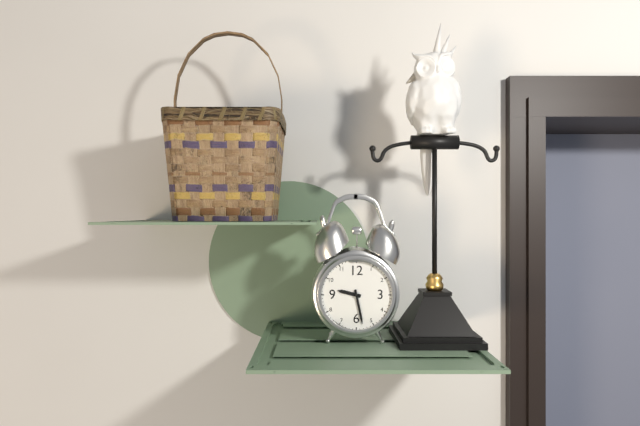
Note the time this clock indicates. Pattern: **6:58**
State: **9:28**
